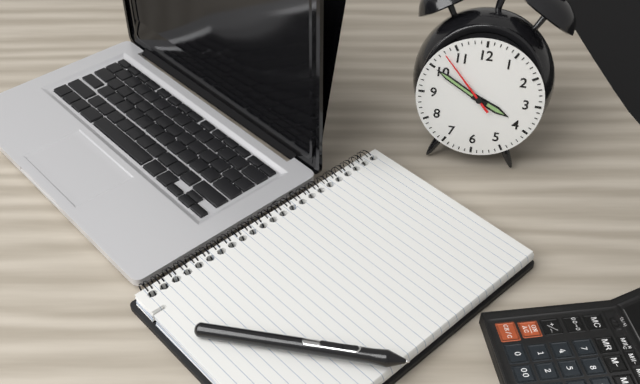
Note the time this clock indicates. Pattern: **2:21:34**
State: **3:50:53**
